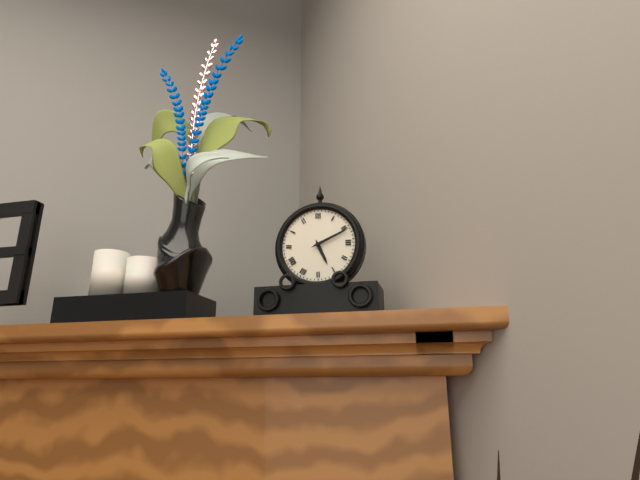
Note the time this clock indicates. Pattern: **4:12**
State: **5:11**
